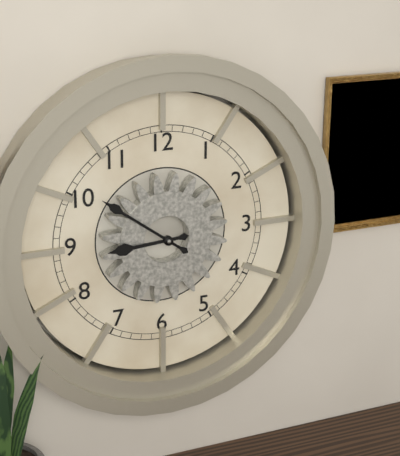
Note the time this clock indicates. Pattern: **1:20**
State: **8:51**
